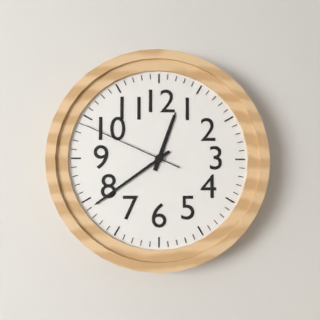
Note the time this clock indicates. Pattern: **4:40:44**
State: **12:39:49**
